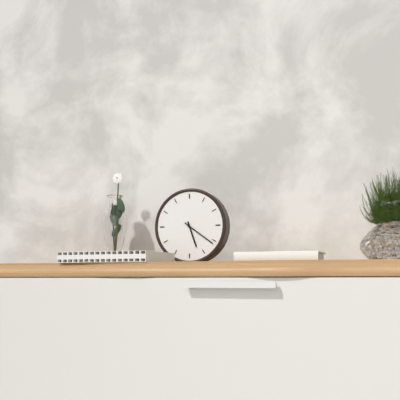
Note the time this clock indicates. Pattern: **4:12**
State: **5:21**
